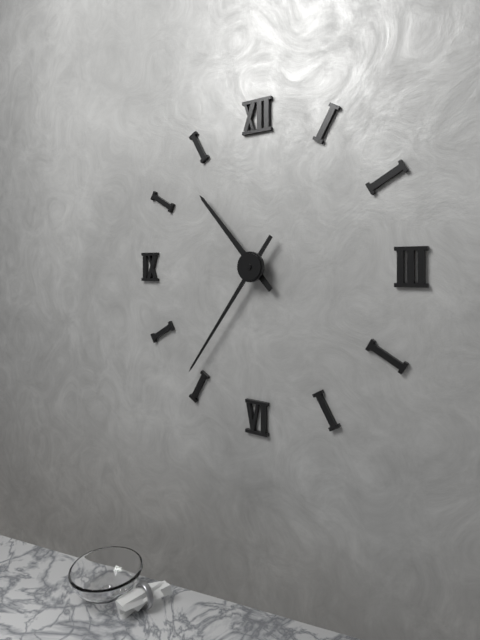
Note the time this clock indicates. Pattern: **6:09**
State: **10:36**
